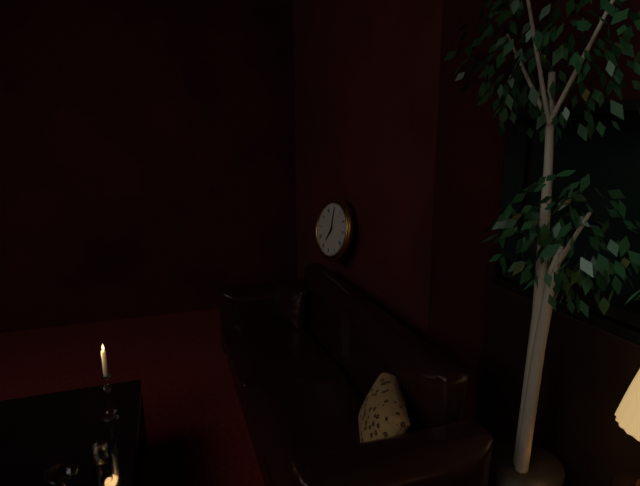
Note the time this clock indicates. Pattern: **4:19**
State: **7:00**
